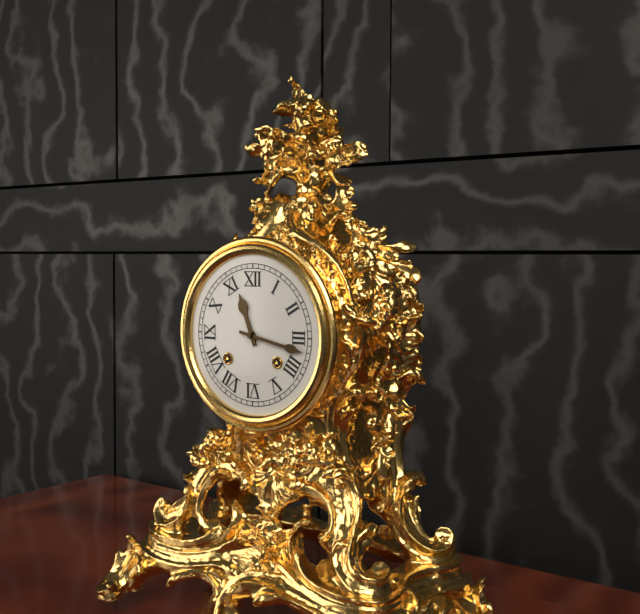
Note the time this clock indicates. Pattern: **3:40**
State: **11:17**
